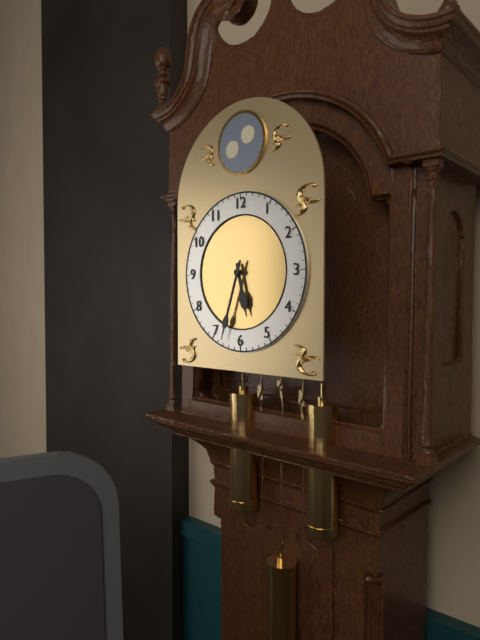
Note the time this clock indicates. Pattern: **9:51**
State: **5:33**
